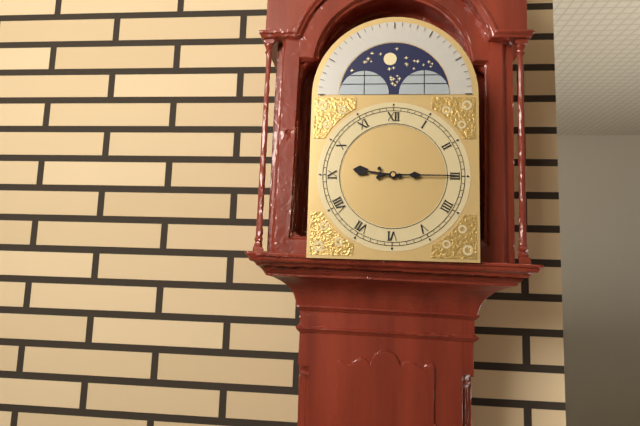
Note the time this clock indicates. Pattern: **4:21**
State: **9:15**
